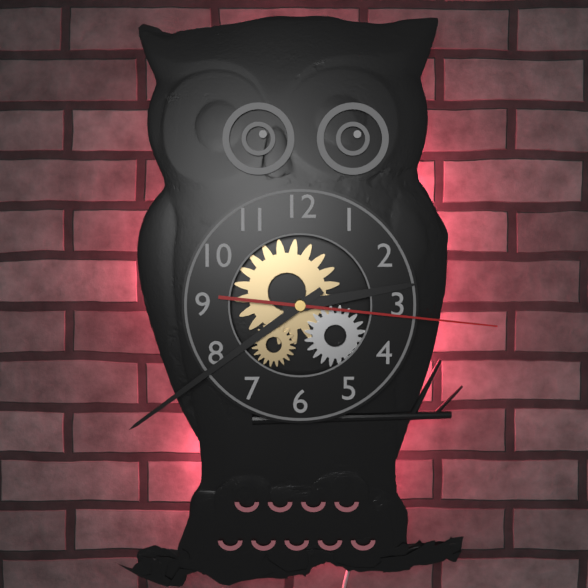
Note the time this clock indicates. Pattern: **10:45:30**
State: **2:39:16**
